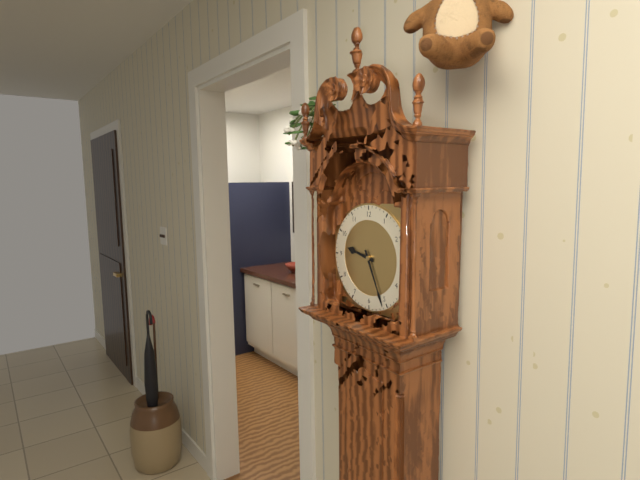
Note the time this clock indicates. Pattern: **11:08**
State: **9:26**
